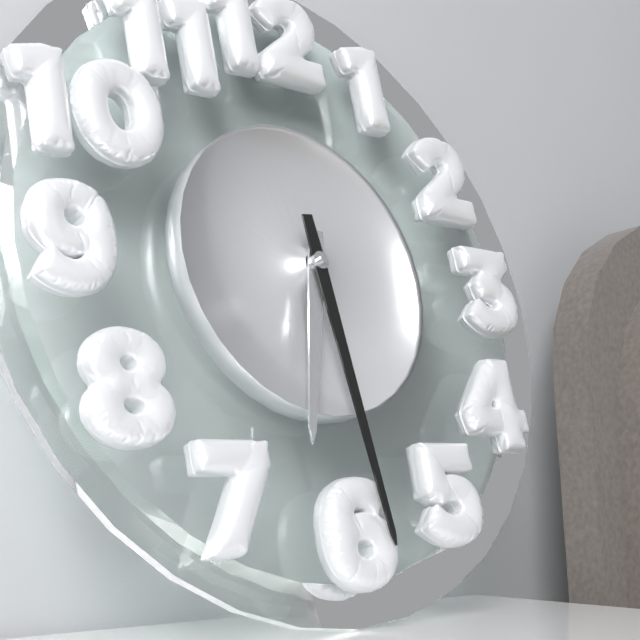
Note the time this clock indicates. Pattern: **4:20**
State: **6:29**
